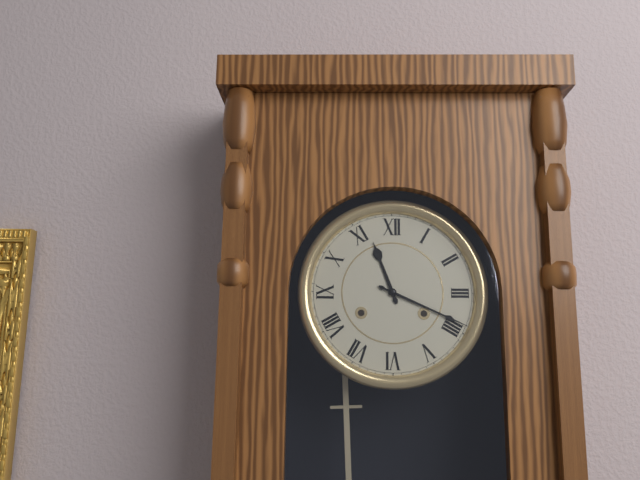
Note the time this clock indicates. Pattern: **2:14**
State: **11:19**
